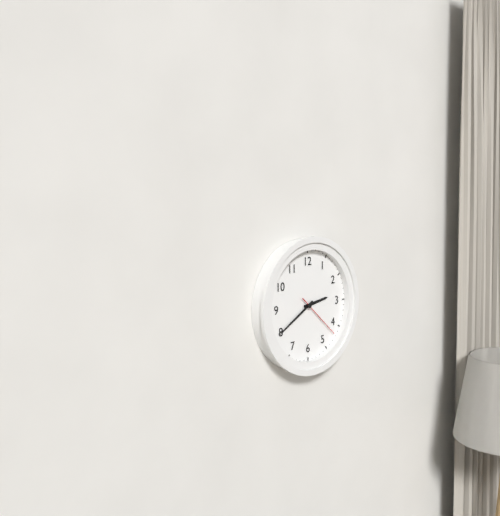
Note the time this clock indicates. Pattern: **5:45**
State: **2:40**
